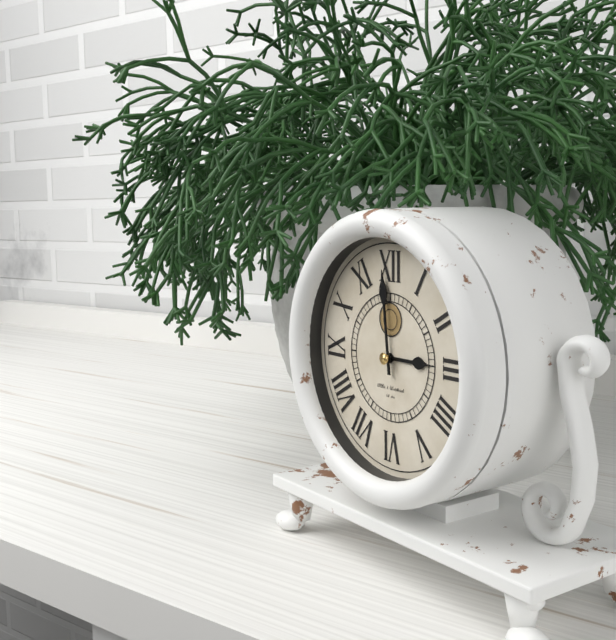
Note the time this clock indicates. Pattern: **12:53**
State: **2:59**
